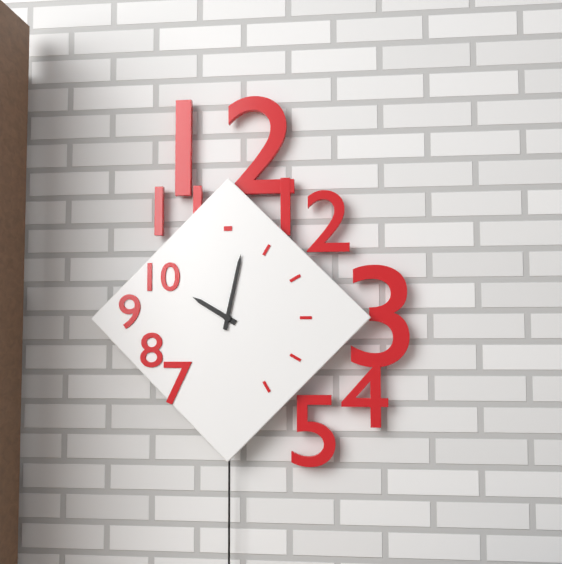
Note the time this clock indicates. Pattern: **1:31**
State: **10:02**
